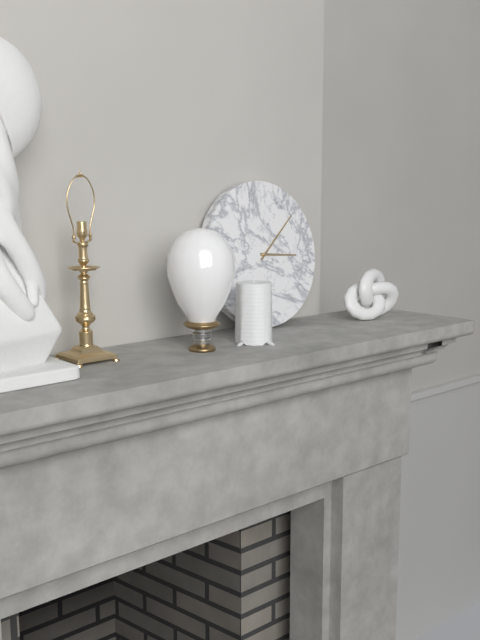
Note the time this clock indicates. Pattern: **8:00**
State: **3:08**
